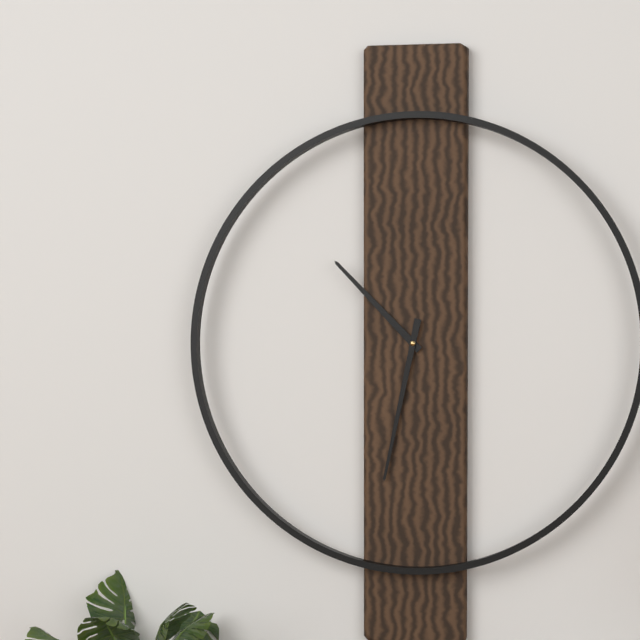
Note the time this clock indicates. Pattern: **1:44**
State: **10:32**
